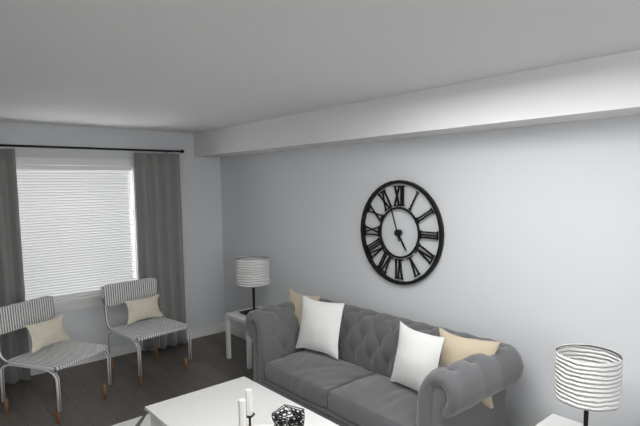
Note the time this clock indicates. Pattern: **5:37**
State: **4:57**
